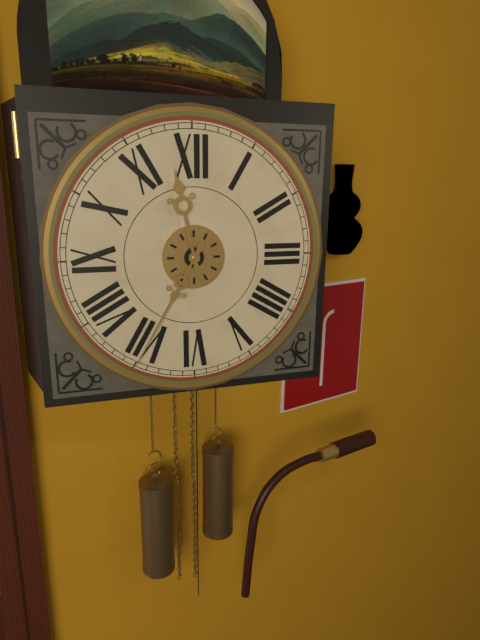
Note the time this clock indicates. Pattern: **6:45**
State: **11:35**
